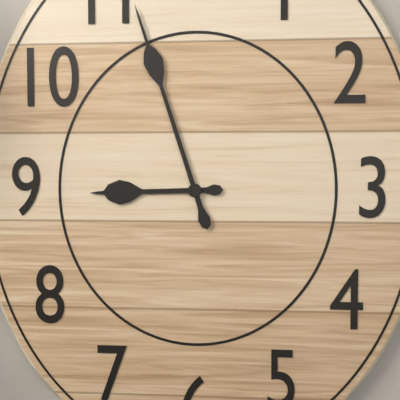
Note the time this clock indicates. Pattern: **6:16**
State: **8:57**
